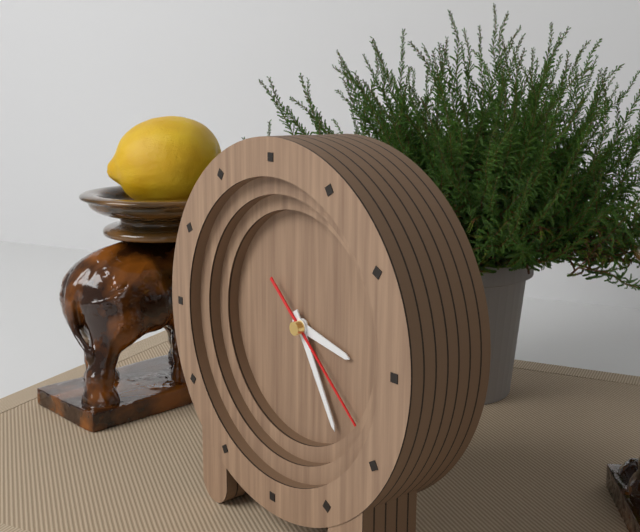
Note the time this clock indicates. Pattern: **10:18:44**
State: **3:25:22**
